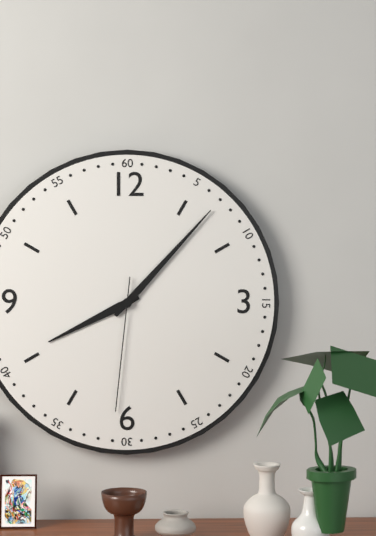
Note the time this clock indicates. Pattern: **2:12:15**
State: **8:07:31**
